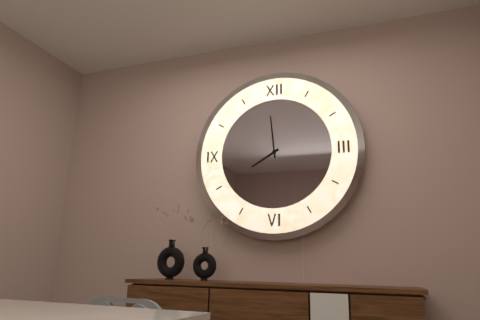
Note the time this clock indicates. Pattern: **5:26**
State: **7:59**
